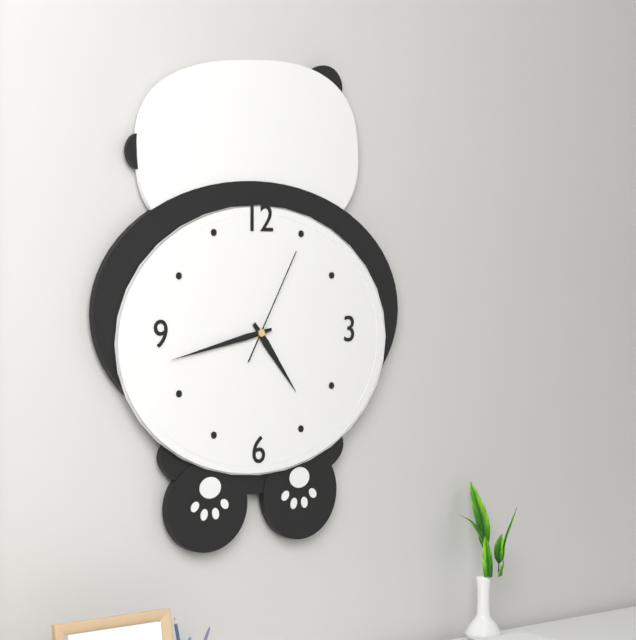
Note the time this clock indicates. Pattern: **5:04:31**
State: **4:43:05**
